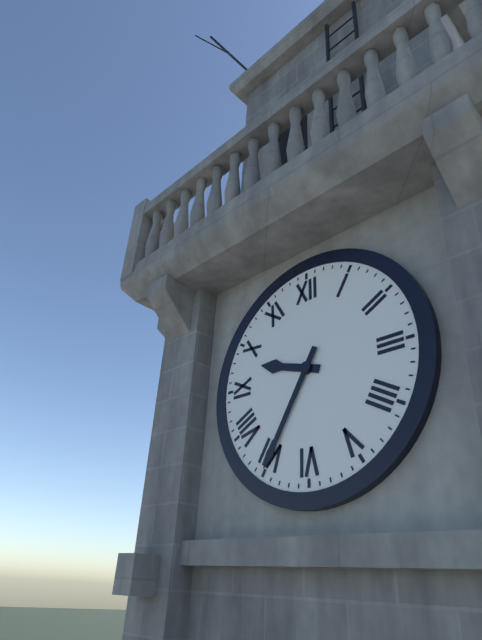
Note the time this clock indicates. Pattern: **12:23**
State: **9:35**
